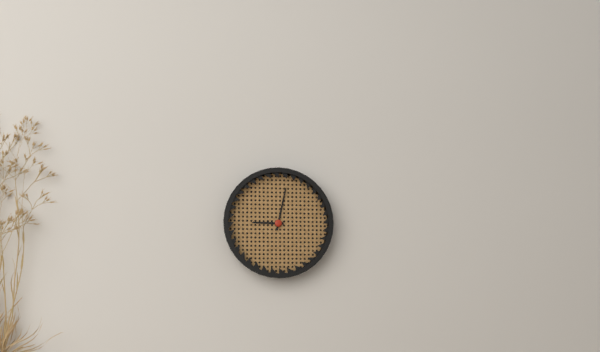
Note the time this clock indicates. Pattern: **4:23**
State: **9:02**
